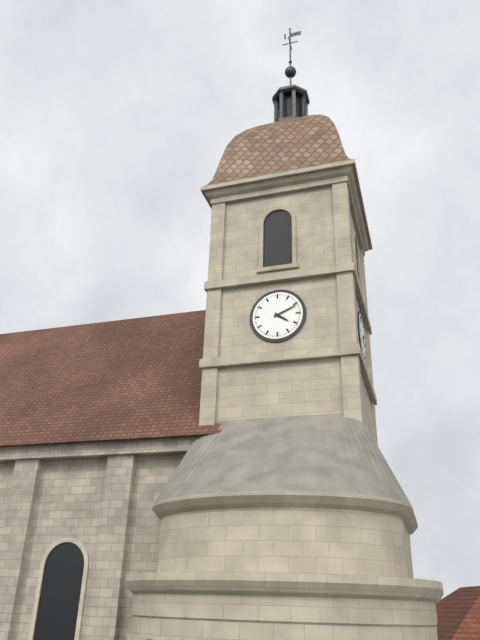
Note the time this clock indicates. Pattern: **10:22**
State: **4:11**
